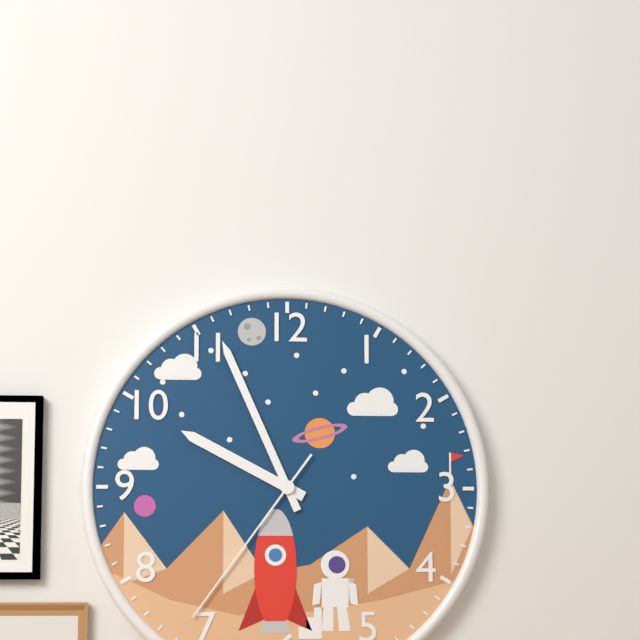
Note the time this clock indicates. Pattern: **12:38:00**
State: **9:56:36**
